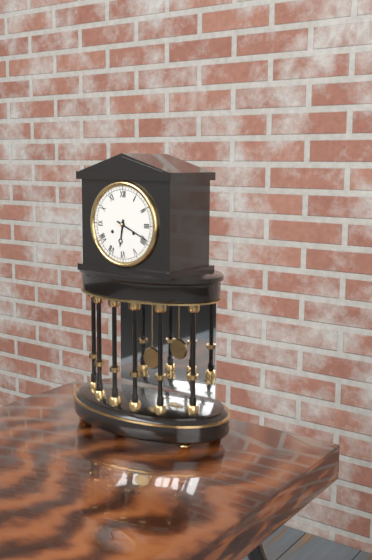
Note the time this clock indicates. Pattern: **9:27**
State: **6:19**
